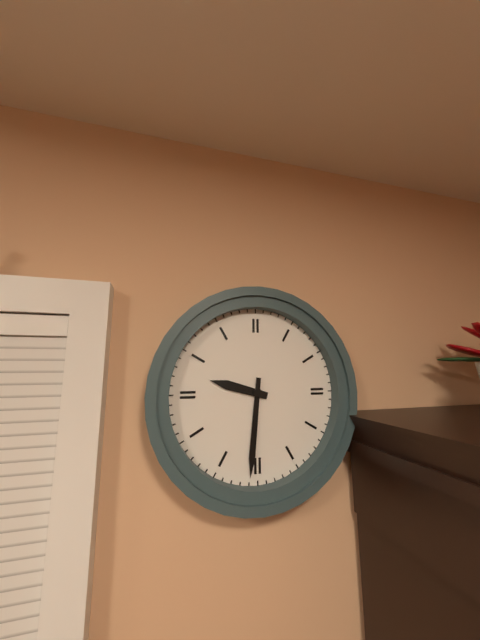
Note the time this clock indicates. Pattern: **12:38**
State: **9:31**
